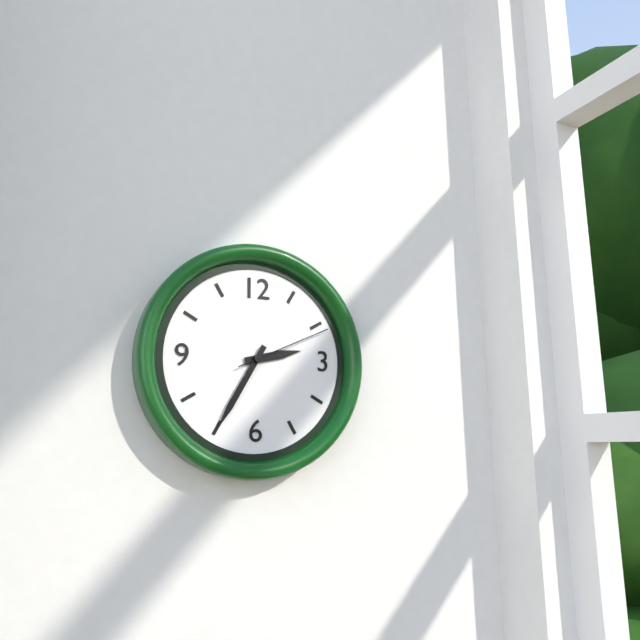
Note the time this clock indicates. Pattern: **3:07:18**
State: **2:35:11**
